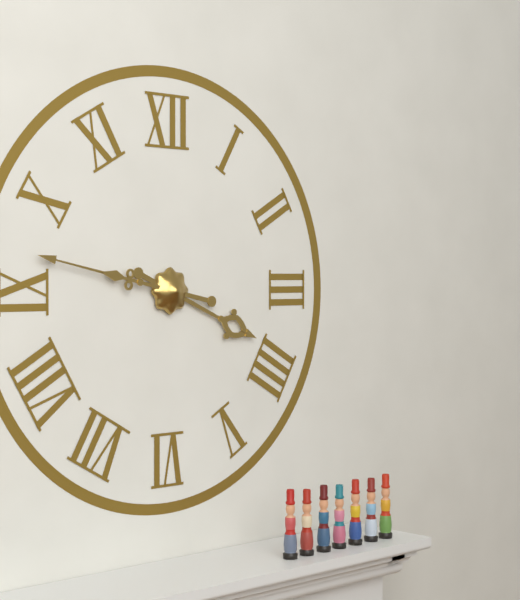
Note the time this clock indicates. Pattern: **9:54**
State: **3:47**
